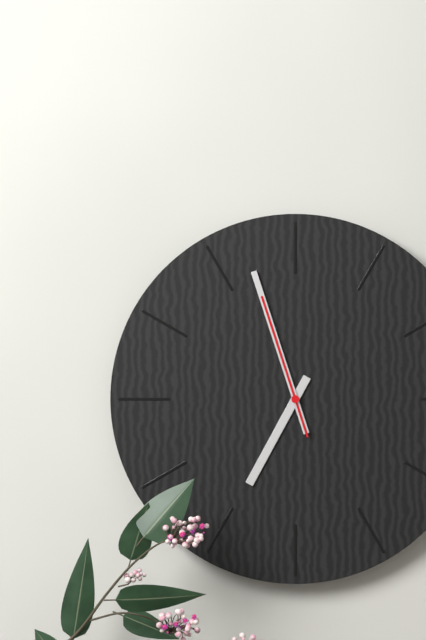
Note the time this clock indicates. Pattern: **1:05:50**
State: **6:57:57**
